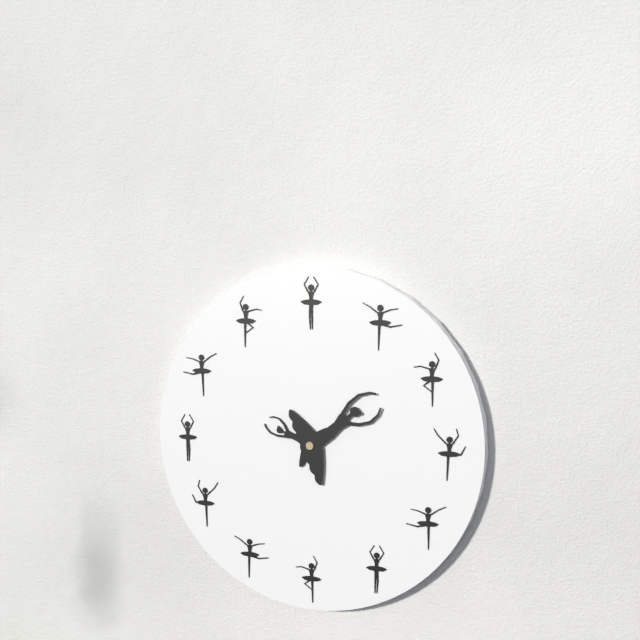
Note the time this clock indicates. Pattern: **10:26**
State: **10:11**
